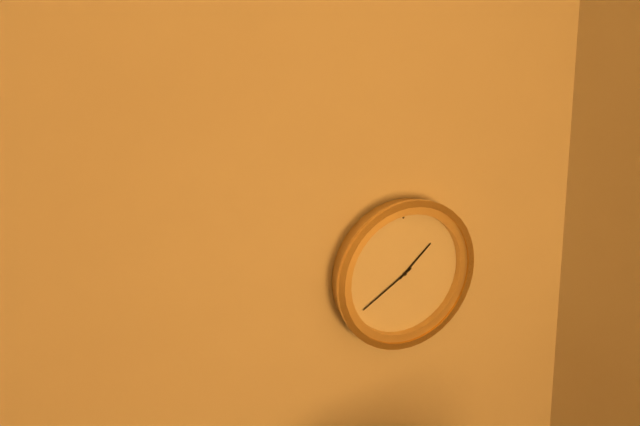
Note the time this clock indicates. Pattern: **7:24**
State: **1:40**
